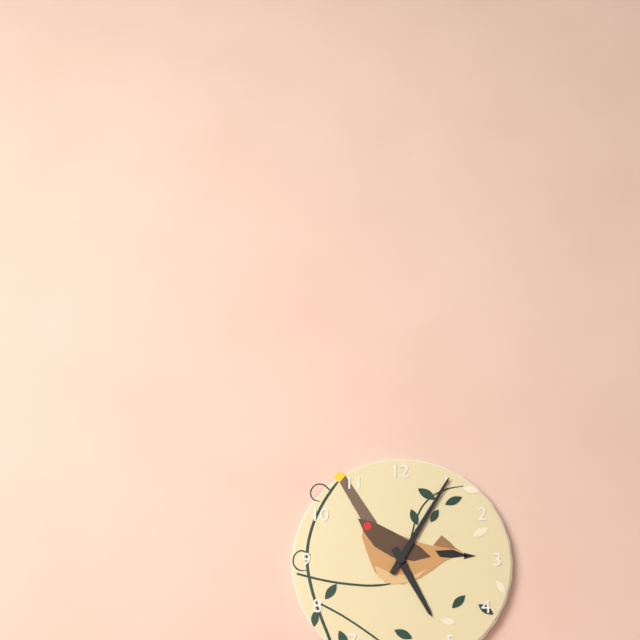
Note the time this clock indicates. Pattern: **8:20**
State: **5:05**
